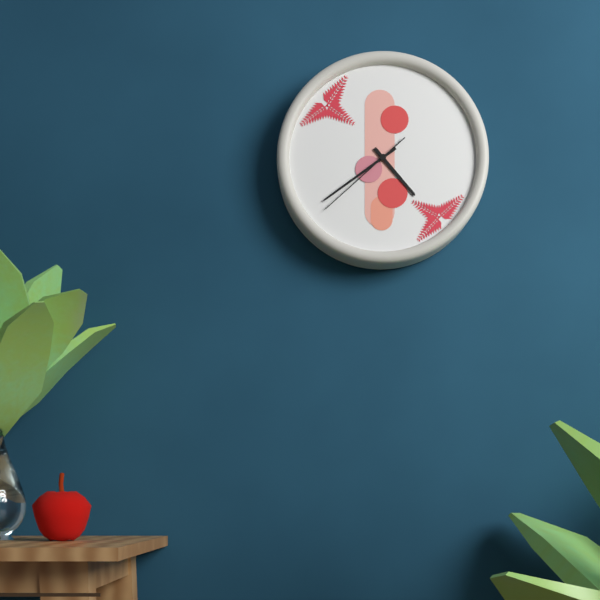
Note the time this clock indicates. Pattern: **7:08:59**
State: **4:39:38**
